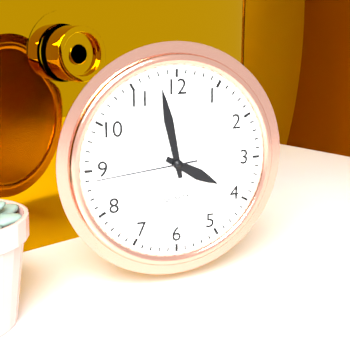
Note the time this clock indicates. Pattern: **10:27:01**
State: **3:58:44**
